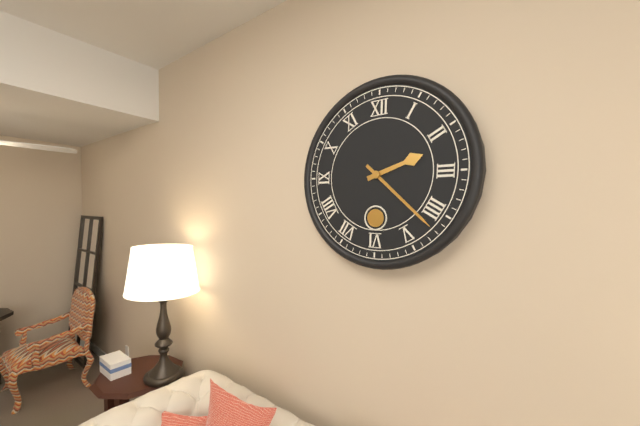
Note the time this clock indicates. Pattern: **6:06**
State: **2:22**
